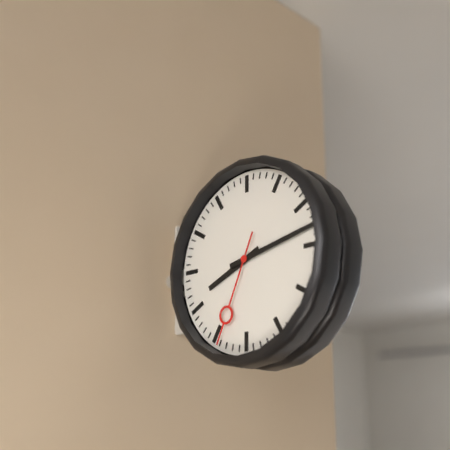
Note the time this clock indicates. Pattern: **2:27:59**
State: **8:13:34**
